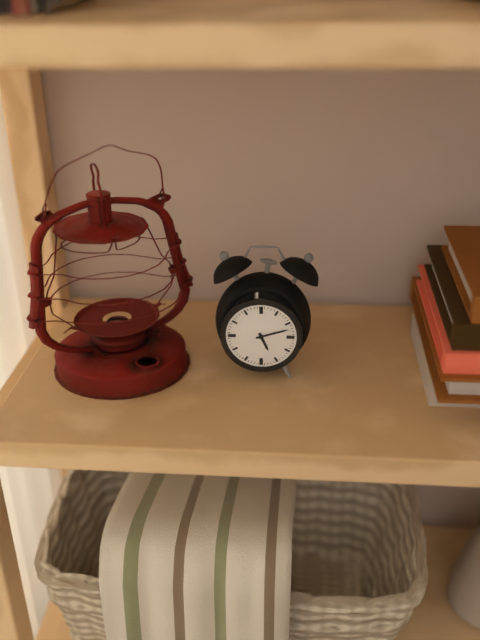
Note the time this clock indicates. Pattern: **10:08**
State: **5:12**
